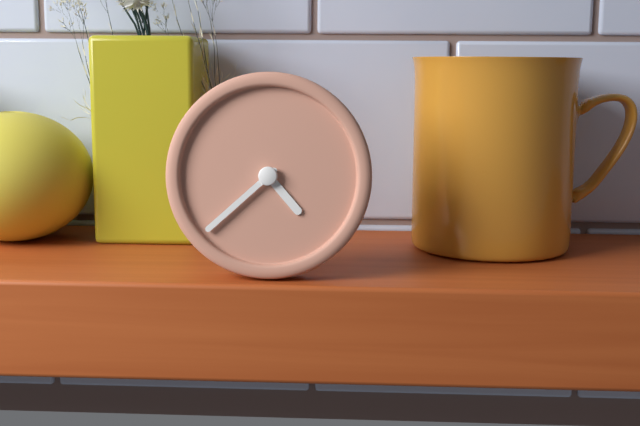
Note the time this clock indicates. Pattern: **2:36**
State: **4:38**
